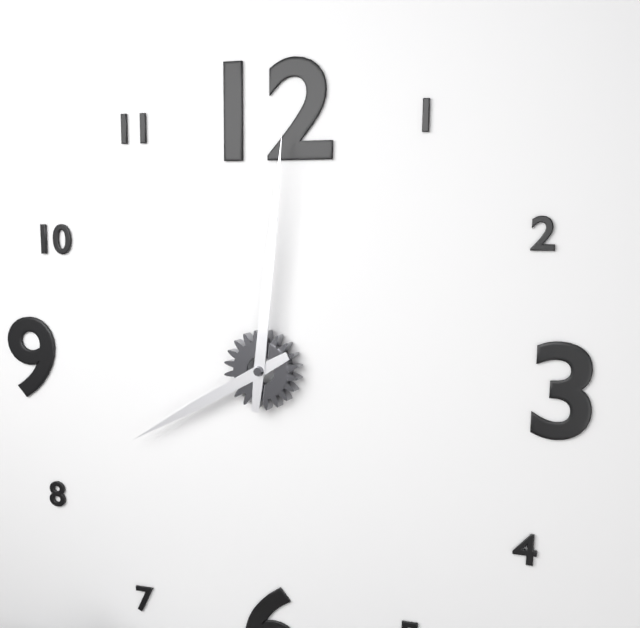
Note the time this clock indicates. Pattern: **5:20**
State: **8:01**
